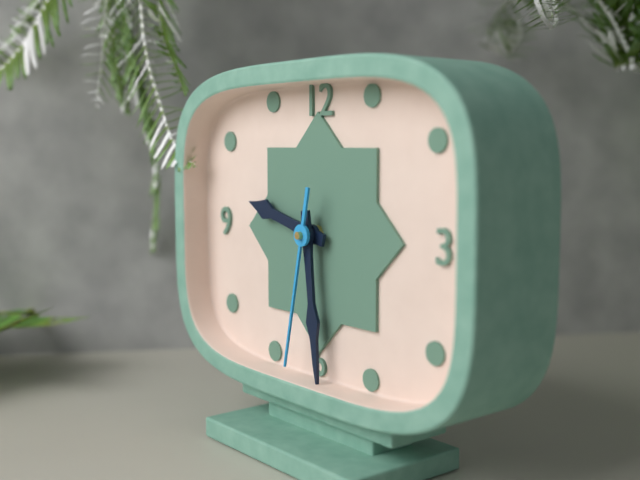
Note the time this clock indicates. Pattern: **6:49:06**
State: **9:29:32**
